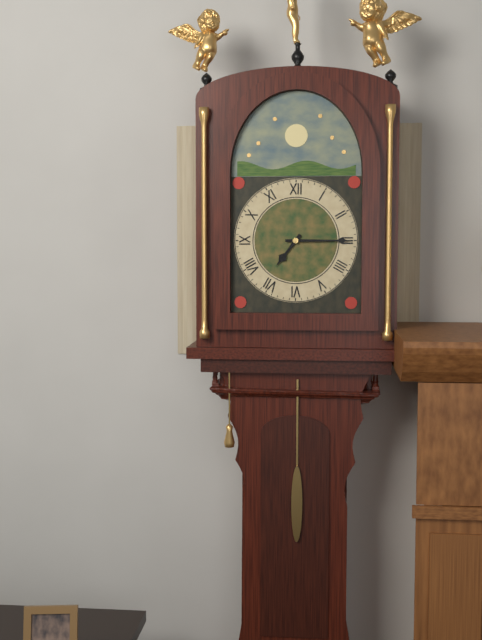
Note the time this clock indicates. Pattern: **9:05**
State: **7:15**
